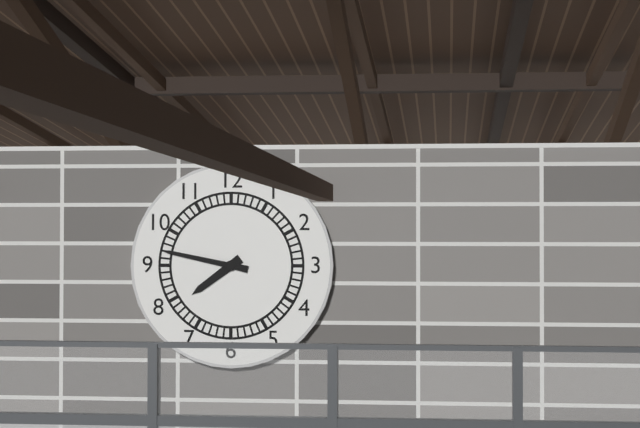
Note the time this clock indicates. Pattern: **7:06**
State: **7:47**
